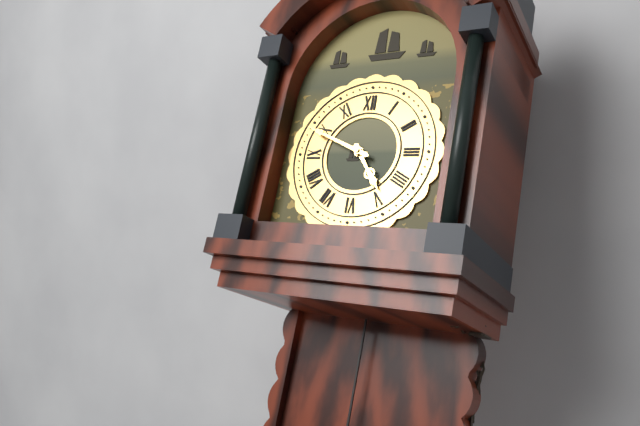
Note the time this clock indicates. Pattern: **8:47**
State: **4:49**
